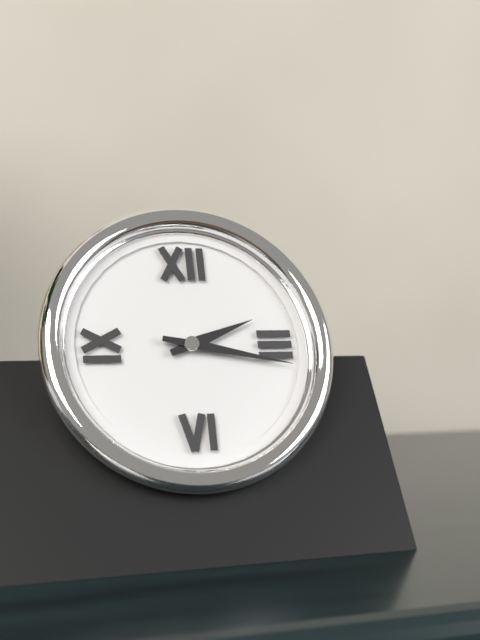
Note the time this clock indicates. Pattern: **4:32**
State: **2:17**
